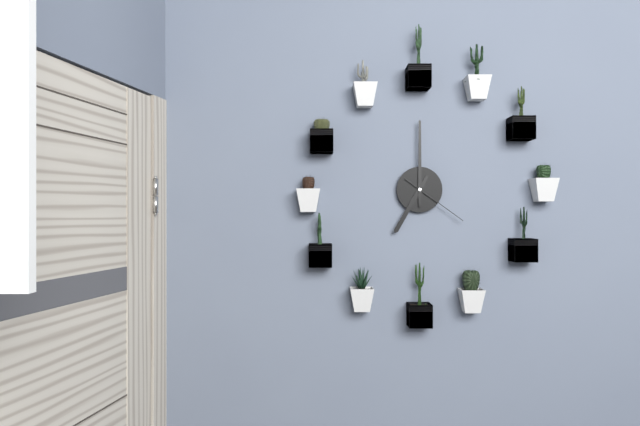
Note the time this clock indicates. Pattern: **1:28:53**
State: **7:00:21**
